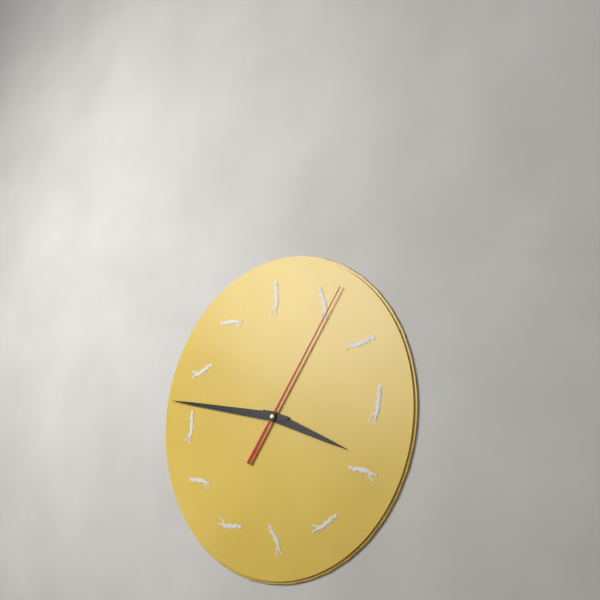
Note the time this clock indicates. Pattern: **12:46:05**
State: **3:47:06**
